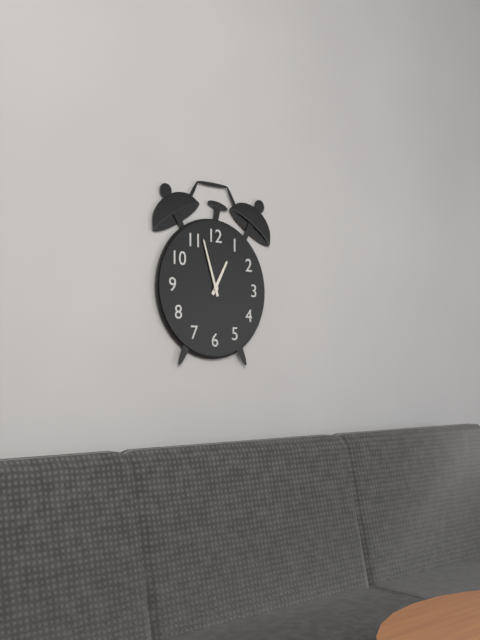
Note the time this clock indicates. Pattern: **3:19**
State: **12:57**
